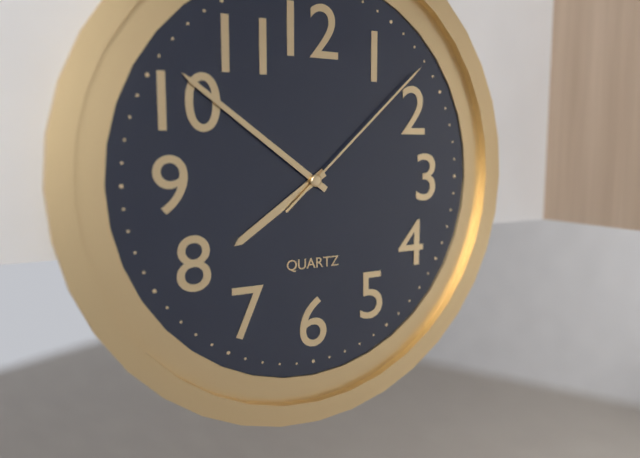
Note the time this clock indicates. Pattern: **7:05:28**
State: **7:51:08**
